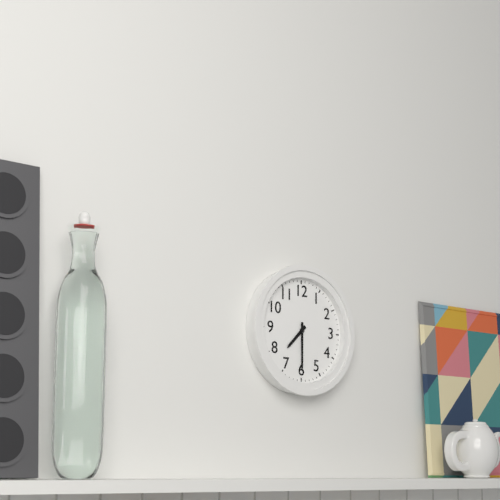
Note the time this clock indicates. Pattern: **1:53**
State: **7:30**
